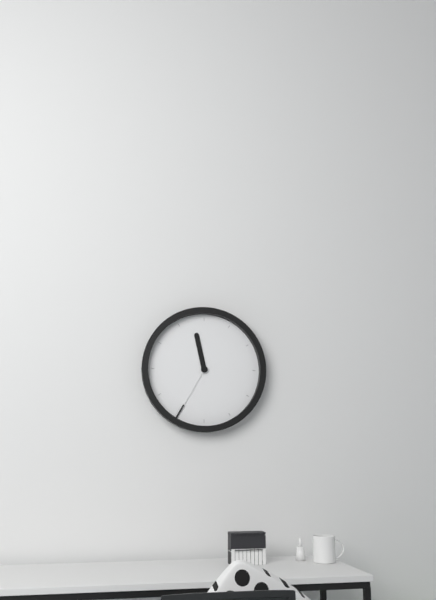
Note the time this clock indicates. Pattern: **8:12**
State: **11:35**
